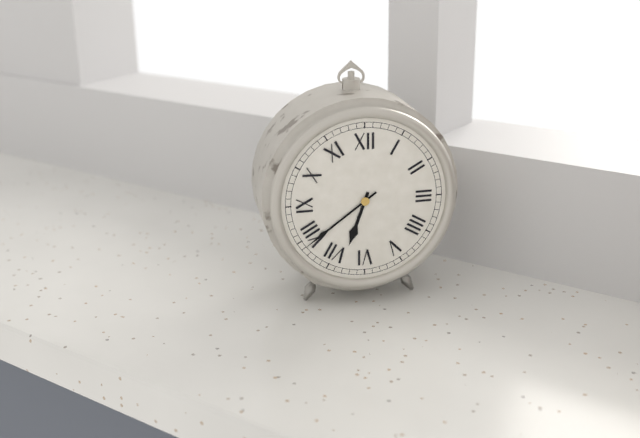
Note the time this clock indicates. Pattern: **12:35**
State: **6:39**
